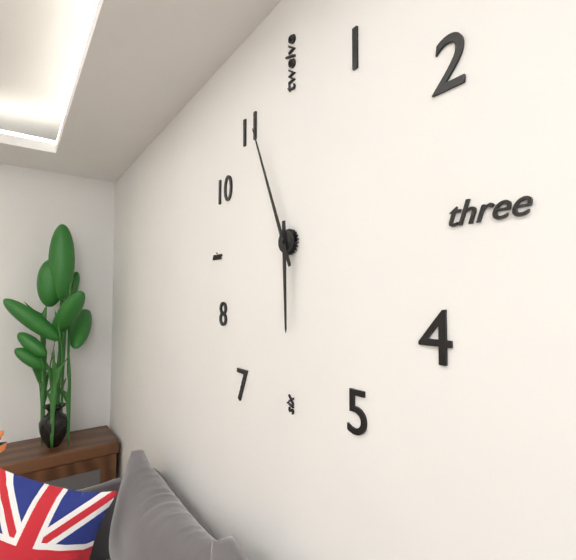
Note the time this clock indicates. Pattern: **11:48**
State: **5:56**
